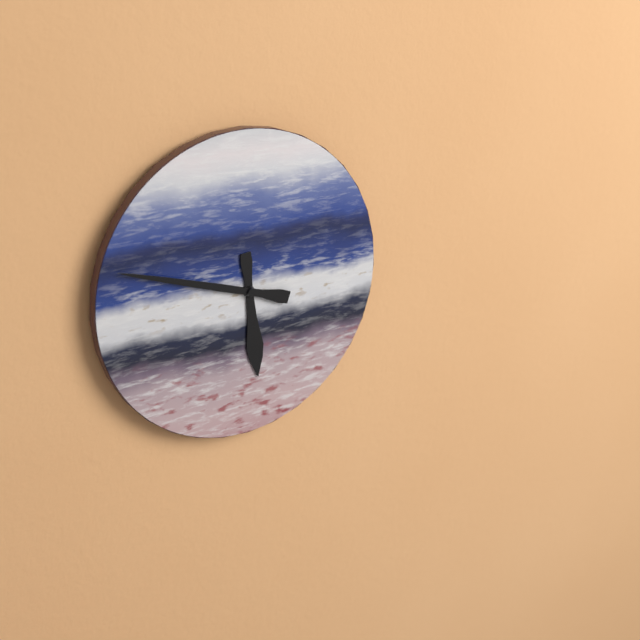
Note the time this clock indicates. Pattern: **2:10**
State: **5:48**
